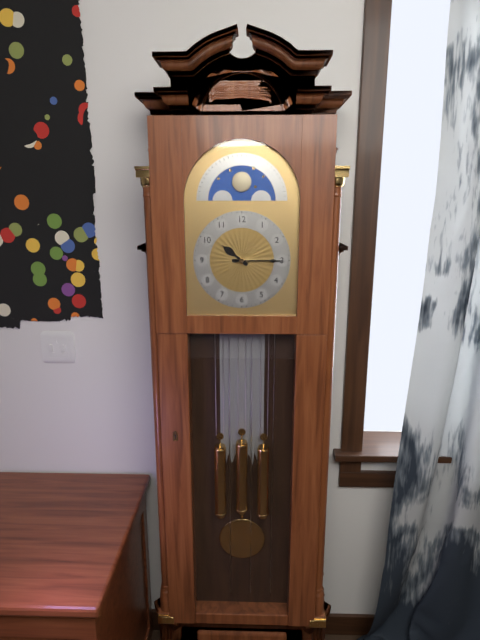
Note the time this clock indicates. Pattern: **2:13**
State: **10:15**
